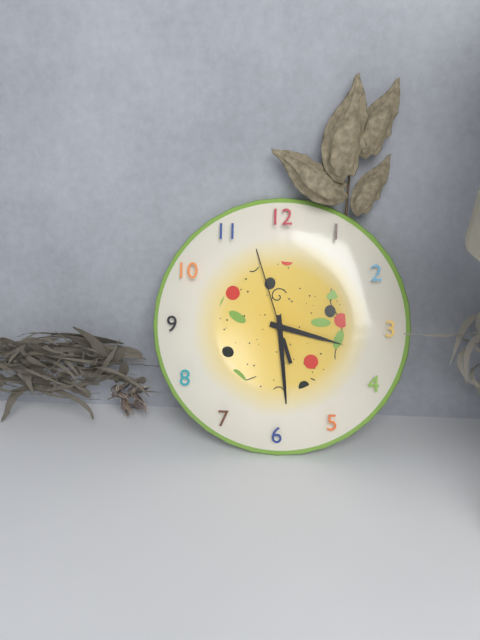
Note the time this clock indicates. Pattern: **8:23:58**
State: **3:29:57**
